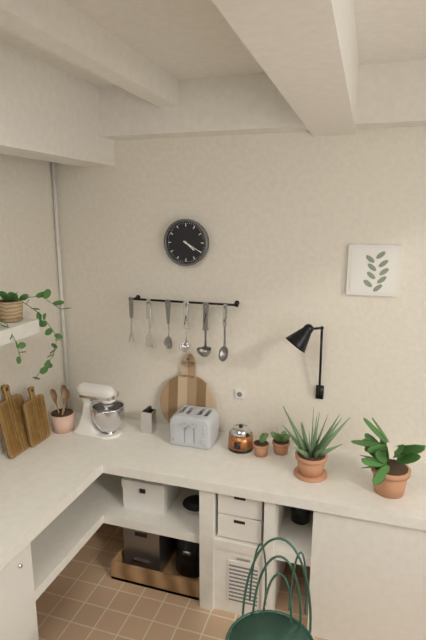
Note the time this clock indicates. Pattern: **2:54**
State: **4:20**
